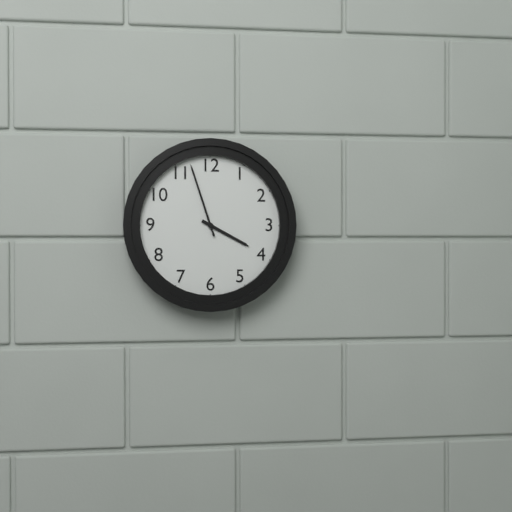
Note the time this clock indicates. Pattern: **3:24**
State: **3:57**
